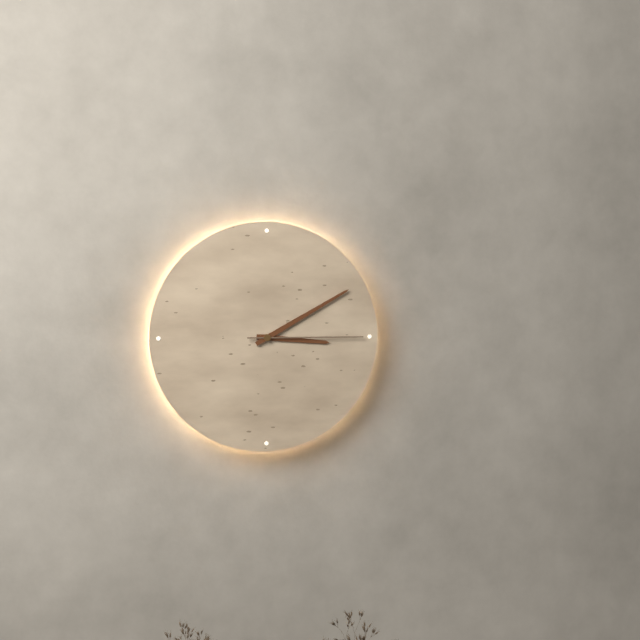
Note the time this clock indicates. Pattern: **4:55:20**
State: **3:10:15**
